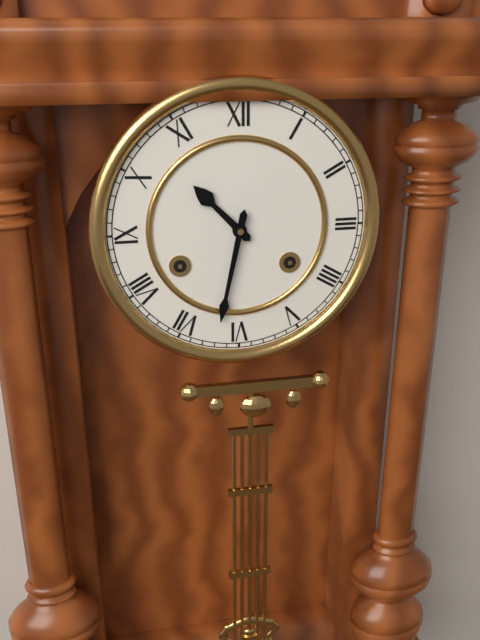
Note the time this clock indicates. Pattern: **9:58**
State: **10:32**
